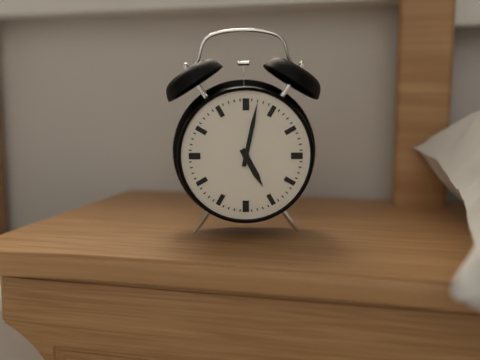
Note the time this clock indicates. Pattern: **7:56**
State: **5:02**
